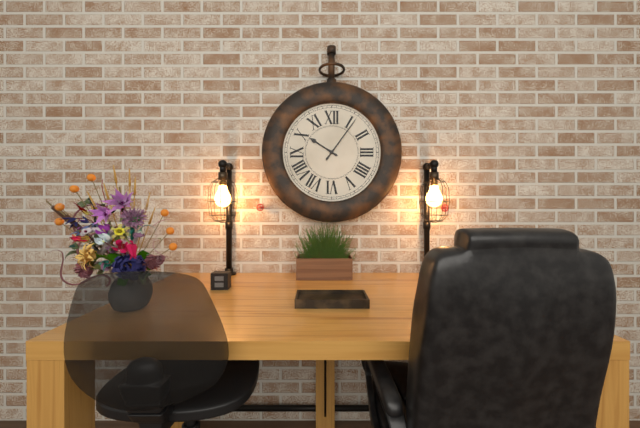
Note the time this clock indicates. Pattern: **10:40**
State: **10:06**
